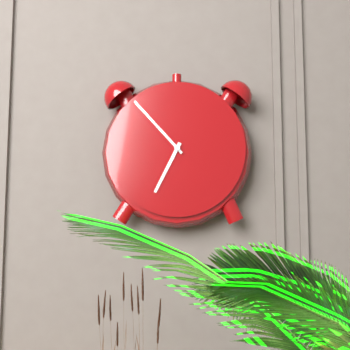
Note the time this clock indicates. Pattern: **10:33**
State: **6:53**
